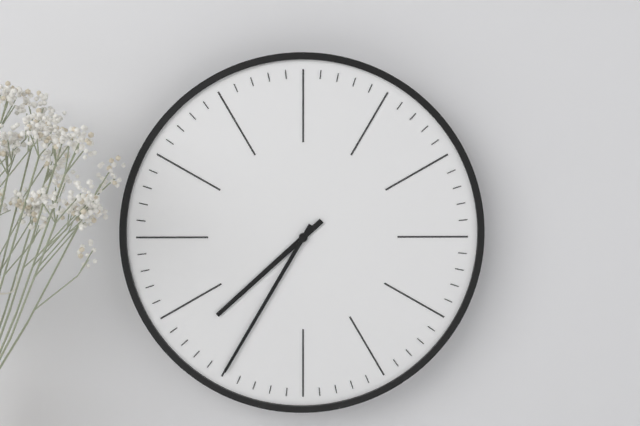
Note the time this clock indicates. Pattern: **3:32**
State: **7:35**
